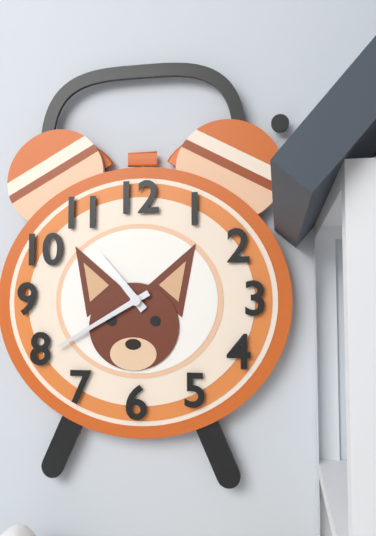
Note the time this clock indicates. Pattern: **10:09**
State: **10:40**
